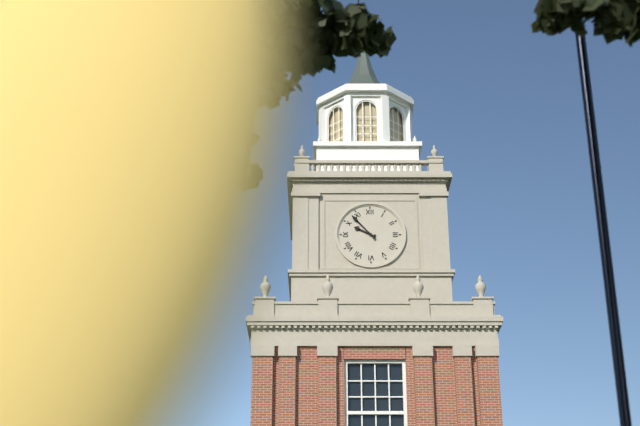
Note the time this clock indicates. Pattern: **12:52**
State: **9:53**
